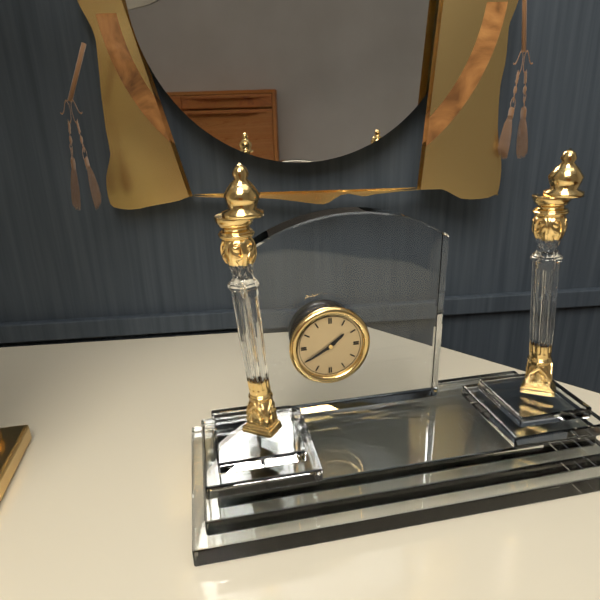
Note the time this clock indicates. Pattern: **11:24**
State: **1:40**
